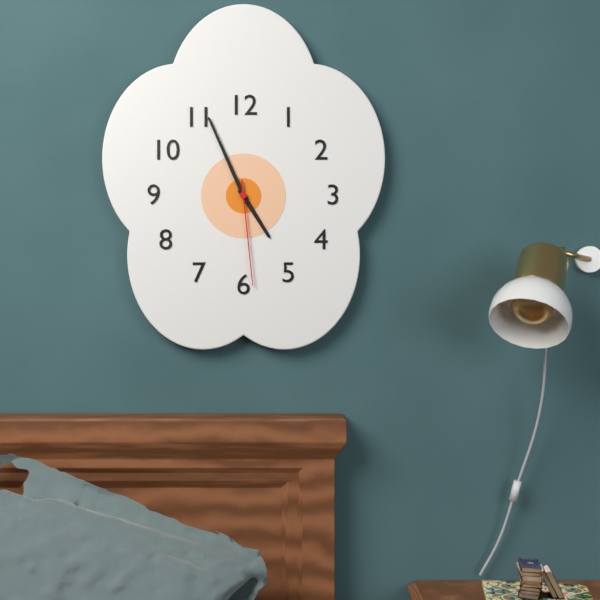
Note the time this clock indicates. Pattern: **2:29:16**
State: **4:56:29**
